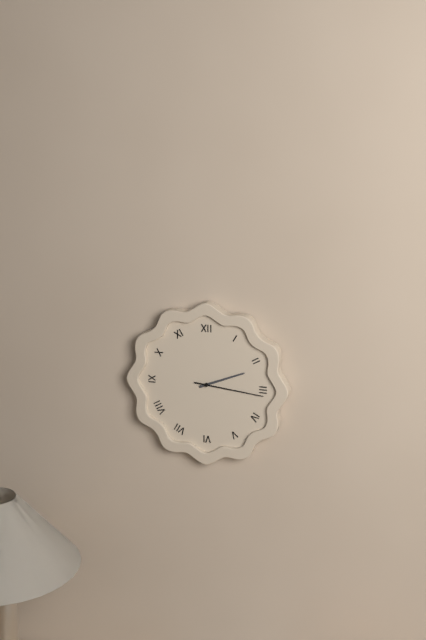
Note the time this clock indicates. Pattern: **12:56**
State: **2:16**
